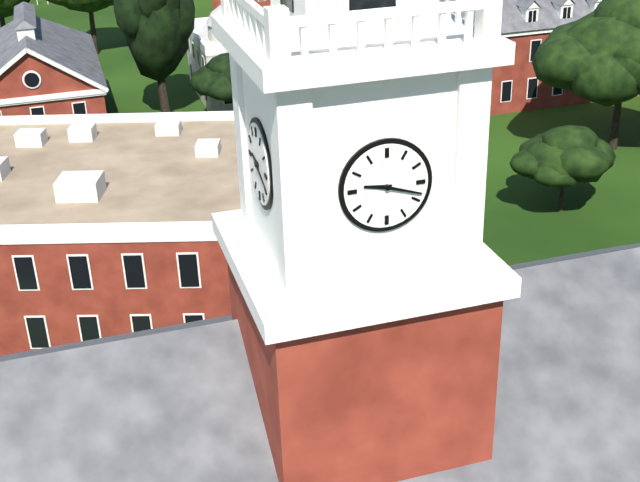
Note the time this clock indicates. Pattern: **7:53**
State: **9:18**
